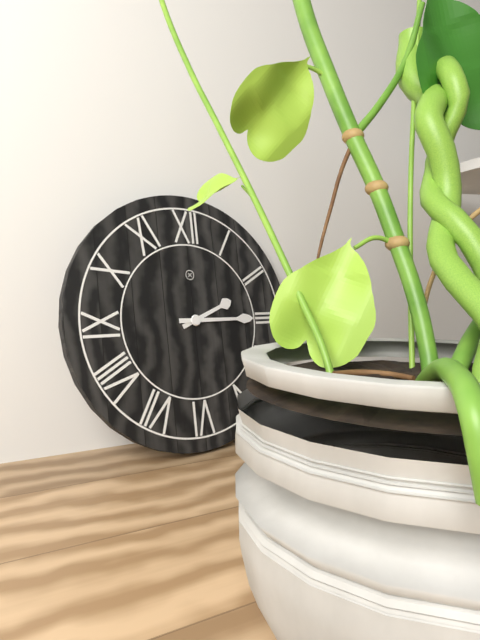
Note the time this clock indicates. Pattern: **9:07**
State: **2:15**
